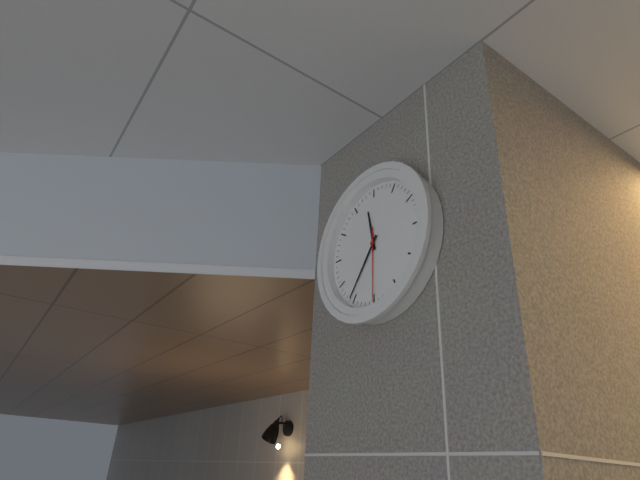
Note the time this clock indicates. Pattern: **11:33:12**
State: **11:36:30**
